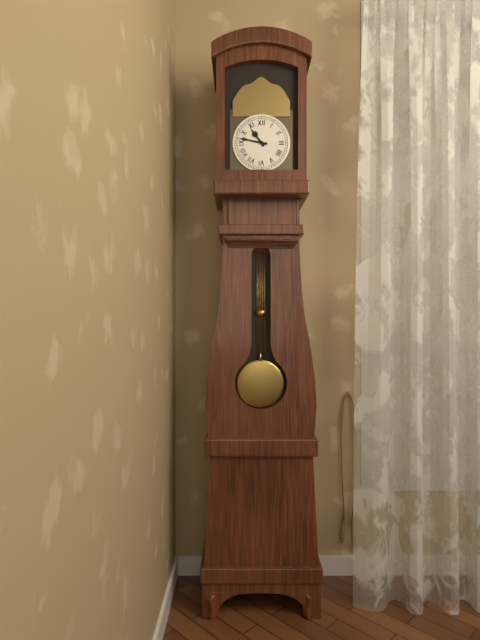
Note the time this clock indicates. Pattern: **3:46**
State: **10:47**
